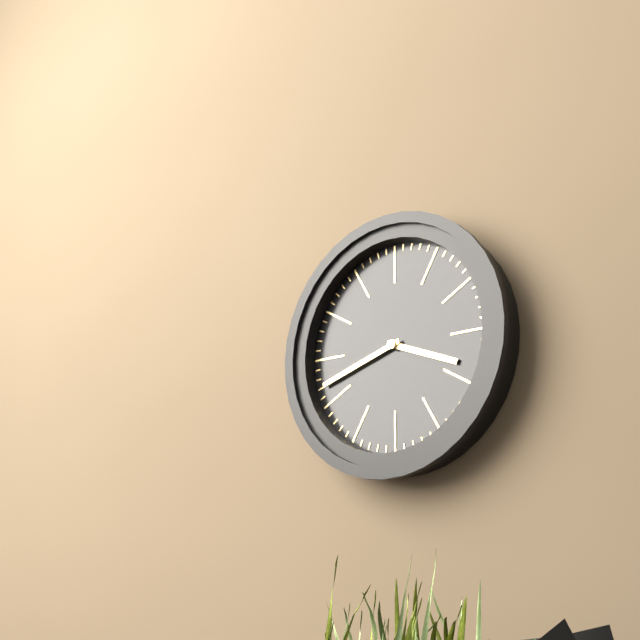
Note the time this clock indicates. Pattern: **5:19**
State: **3:42**
